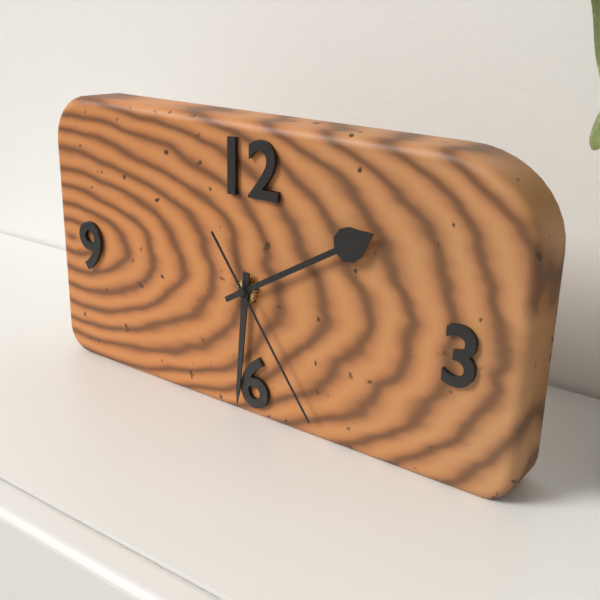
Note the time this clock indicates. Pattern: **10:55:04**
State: **6:10:24**
